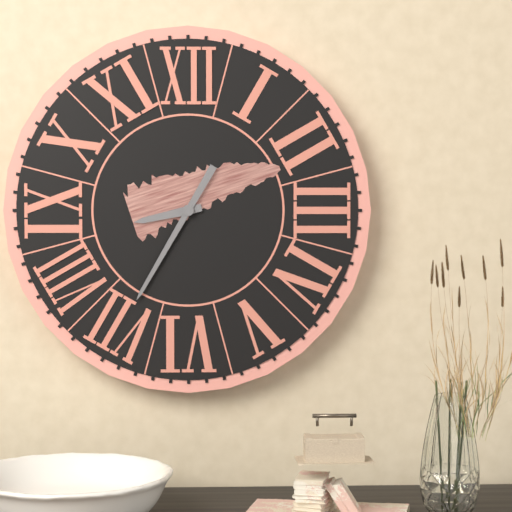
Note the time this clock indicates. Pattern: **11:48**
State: **8:35**
